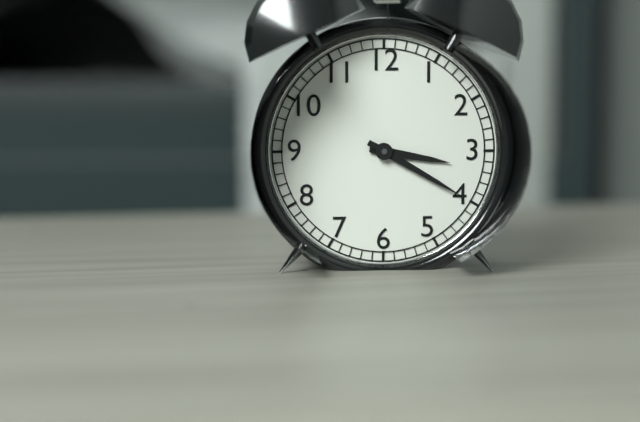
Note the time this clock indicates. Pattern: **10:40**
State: **3:20**
